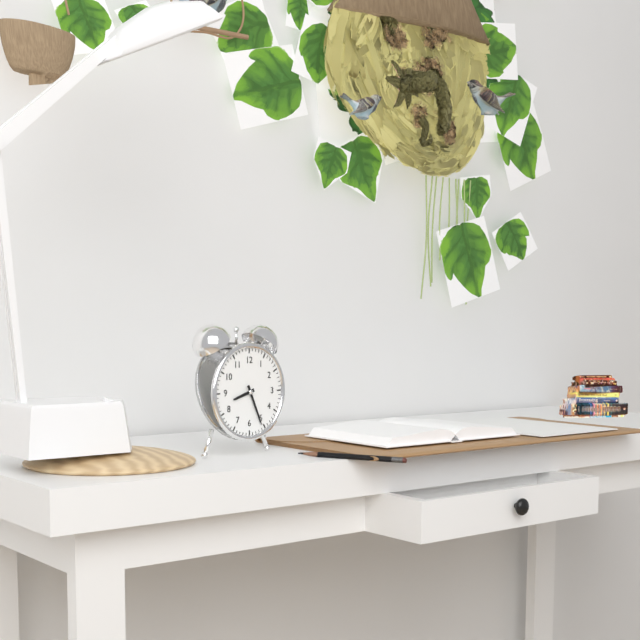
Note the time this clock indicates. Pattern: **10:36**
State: **8:26**
